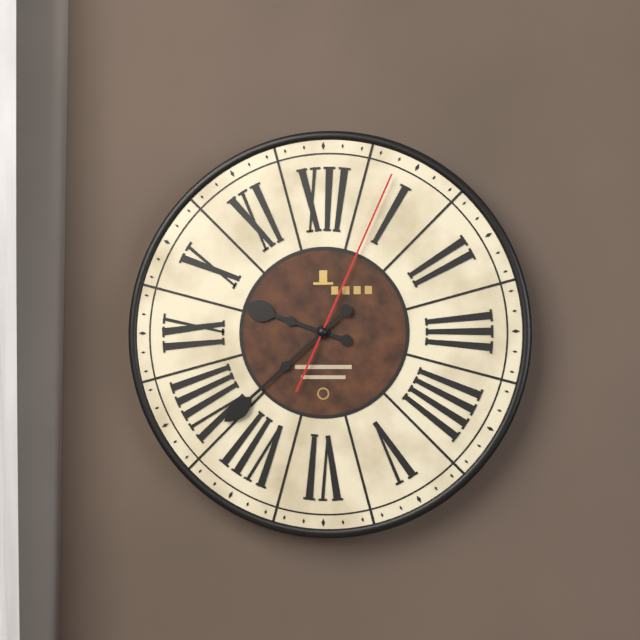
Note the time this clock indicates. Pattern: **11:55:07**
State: **9:38:04**
